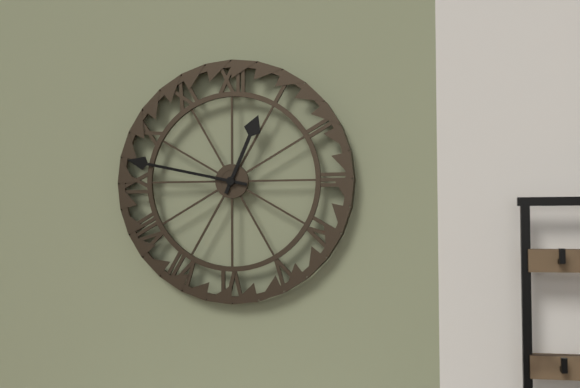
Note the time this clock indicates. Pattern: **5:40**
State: **12:47**
